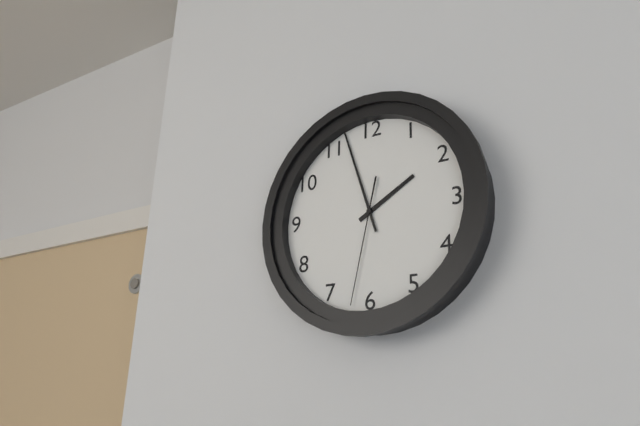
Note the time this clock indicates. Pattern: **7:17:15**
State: **1:57:32**
